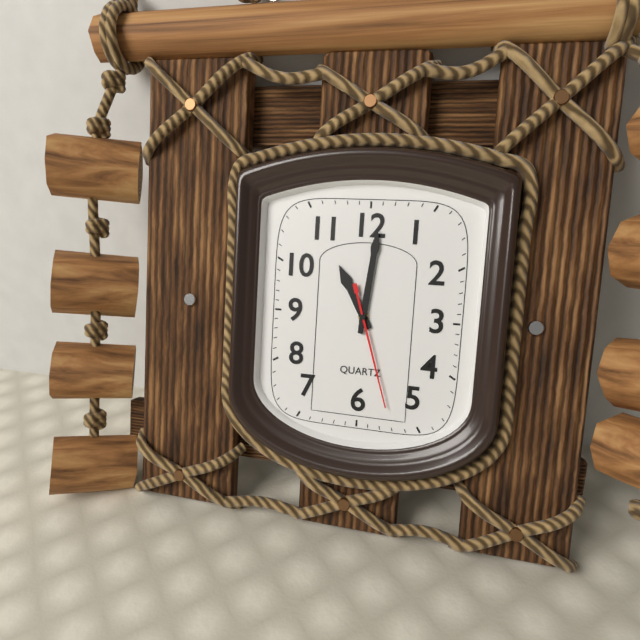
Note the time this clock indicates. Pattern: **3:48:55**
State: **11:01:27**
